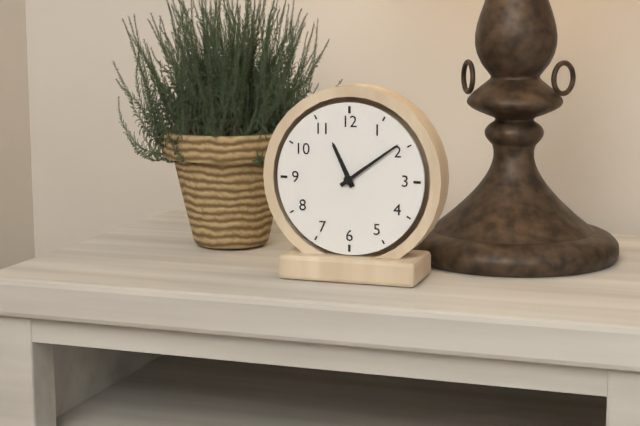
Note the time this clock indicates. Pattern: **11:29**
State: **11:09**
